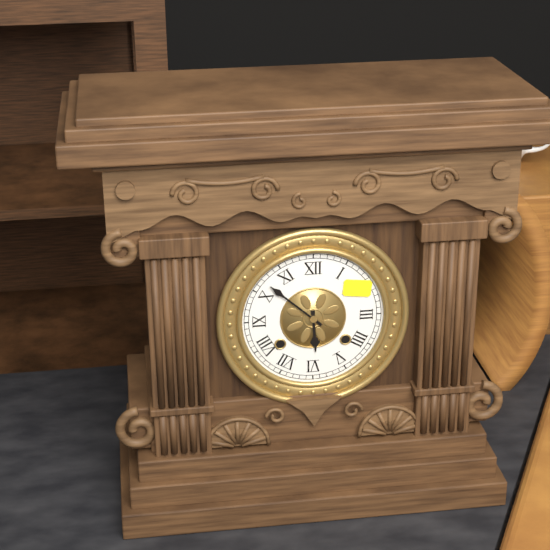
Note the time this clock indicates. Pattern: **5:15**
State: **5:52**
